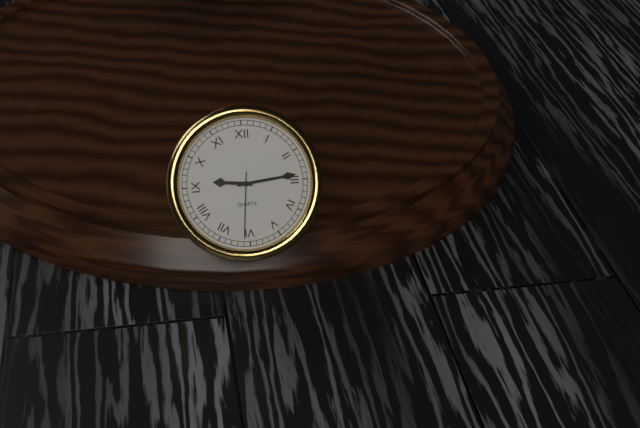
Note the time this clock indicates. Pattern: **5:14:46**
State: **9:14:31**
